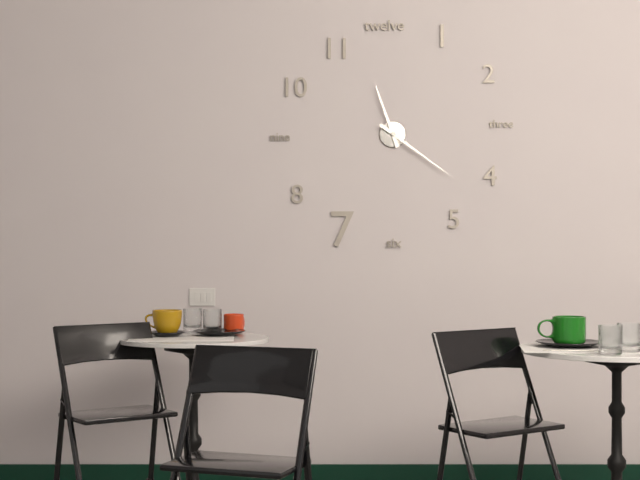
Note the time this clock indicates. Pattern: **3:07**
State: **11:21**
